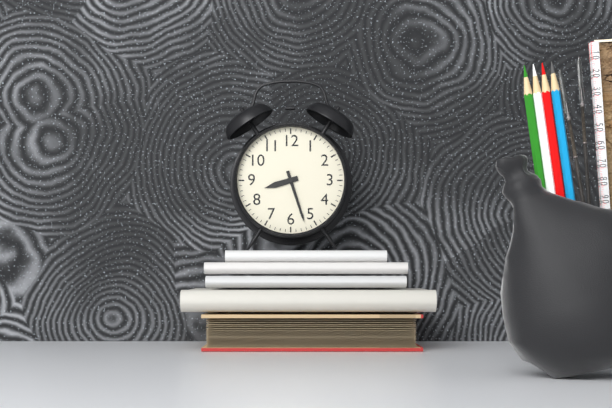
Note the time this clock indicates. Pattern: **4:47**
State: **8:27**
